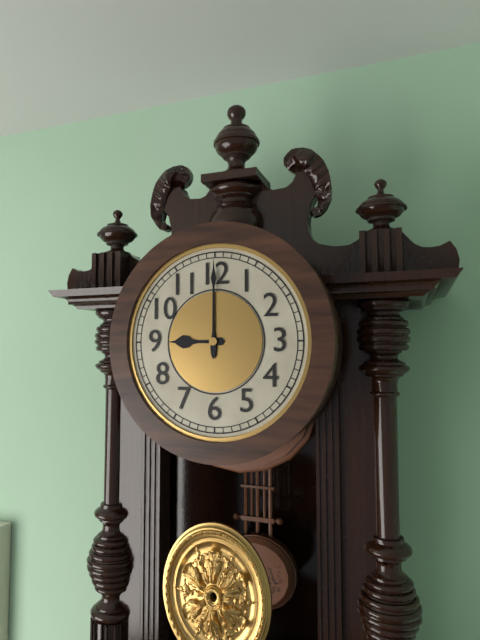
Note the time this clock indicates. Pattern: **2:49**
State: **9:00**
